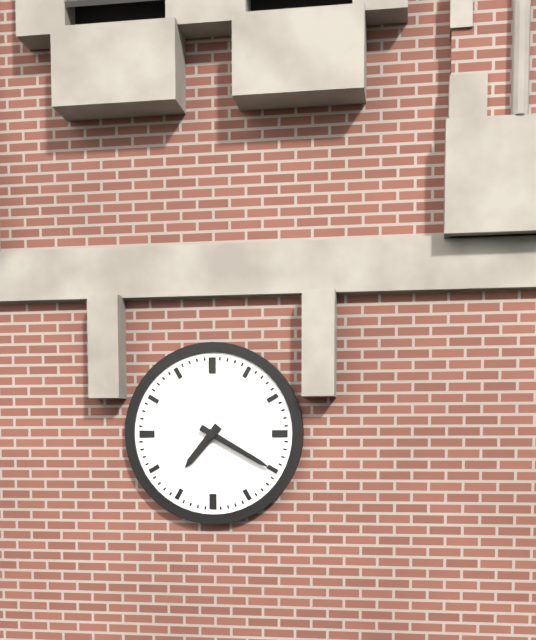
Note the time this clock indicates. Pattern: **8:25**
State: **7:20**
